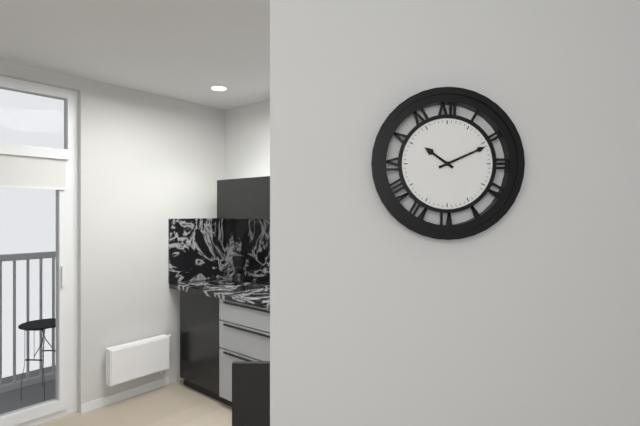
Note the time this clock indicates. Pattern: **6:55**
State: **10:11**
